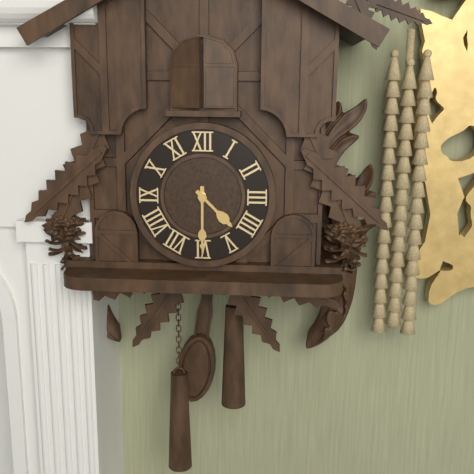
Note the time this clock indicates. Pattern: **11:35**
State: **4:30**
